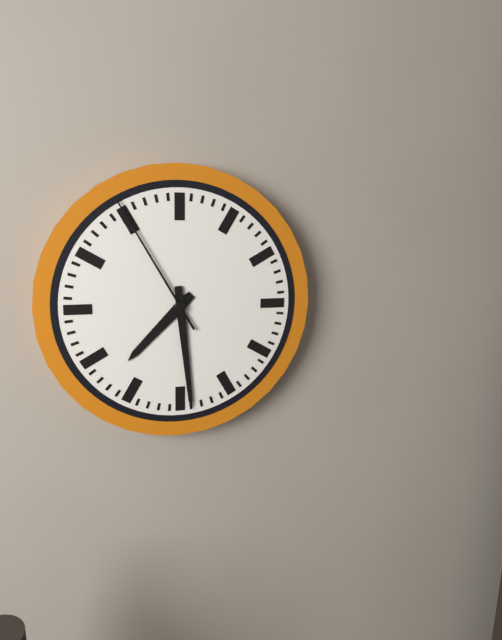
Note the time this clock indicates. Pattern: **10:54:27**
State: **7:29:55**
